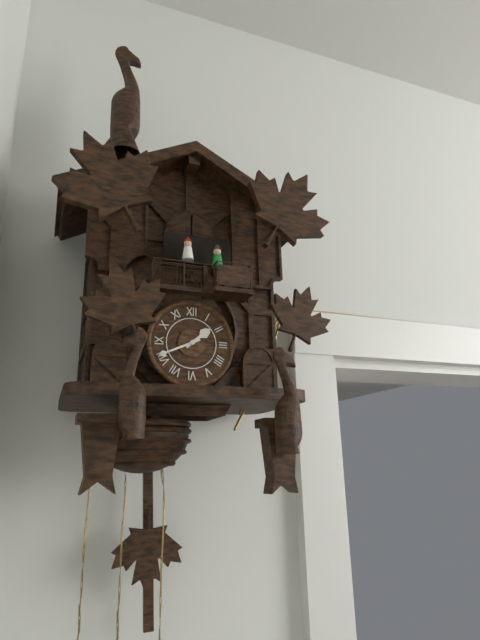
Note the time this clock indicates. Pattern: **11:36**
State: **1:41**
